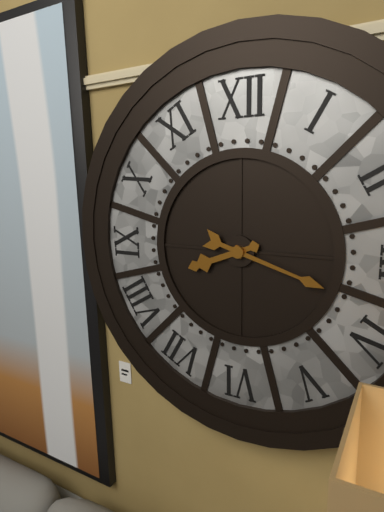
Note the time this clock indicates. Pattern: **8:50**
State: **8:18**
